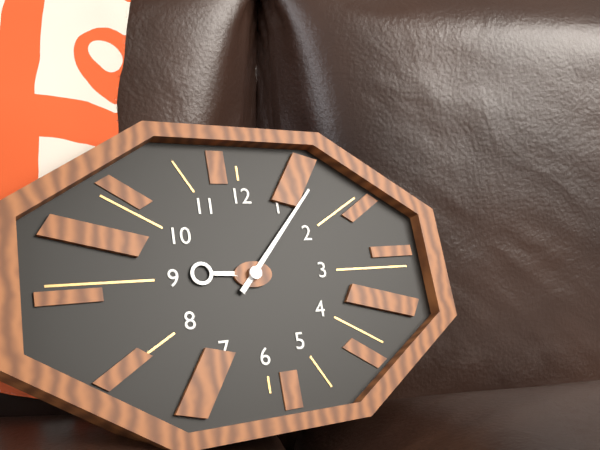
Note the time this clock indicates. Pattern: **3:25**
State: **9:07**
